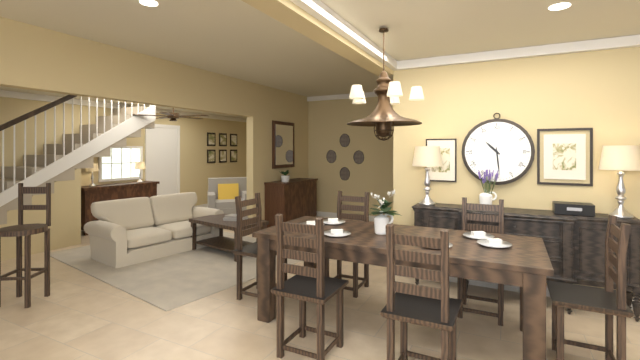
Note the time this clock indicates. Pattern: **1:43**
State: **10:29**
